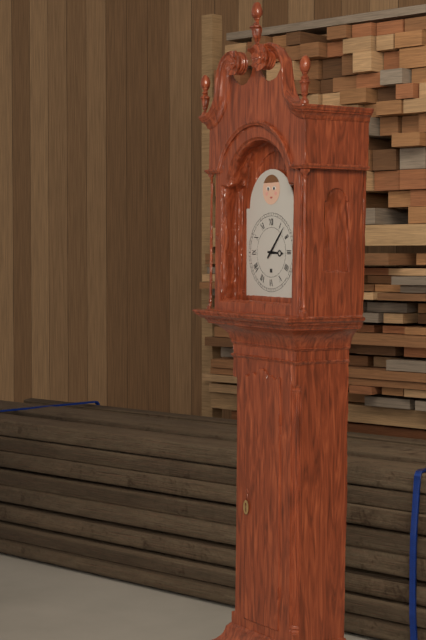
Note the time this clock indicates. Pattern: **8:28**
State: **3:07**
